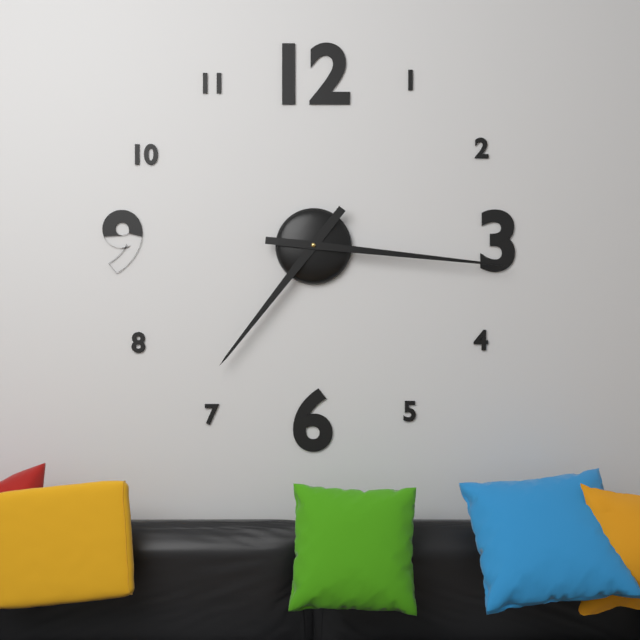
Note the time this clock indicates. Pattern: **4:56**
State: **7:16**
